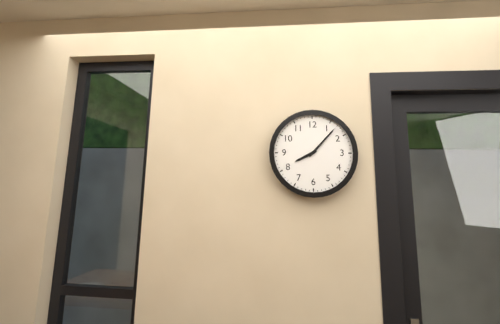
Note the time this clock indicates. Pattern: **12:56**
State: **8:07**
